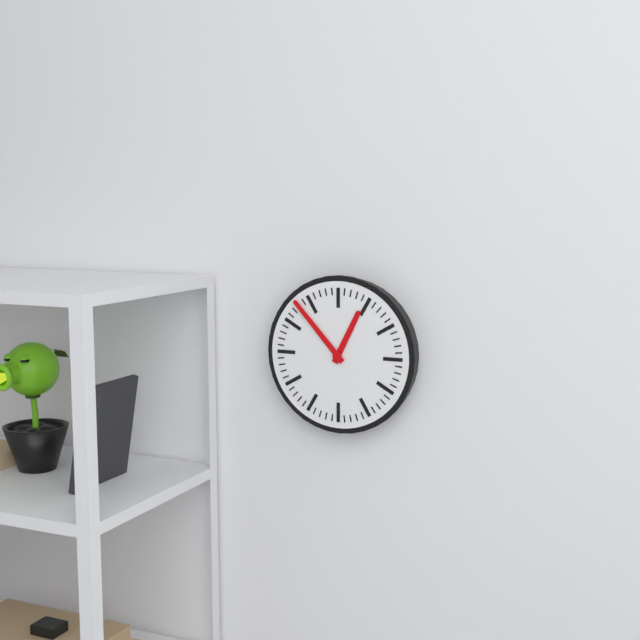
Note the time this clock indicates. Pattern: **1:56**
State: **12:53**
